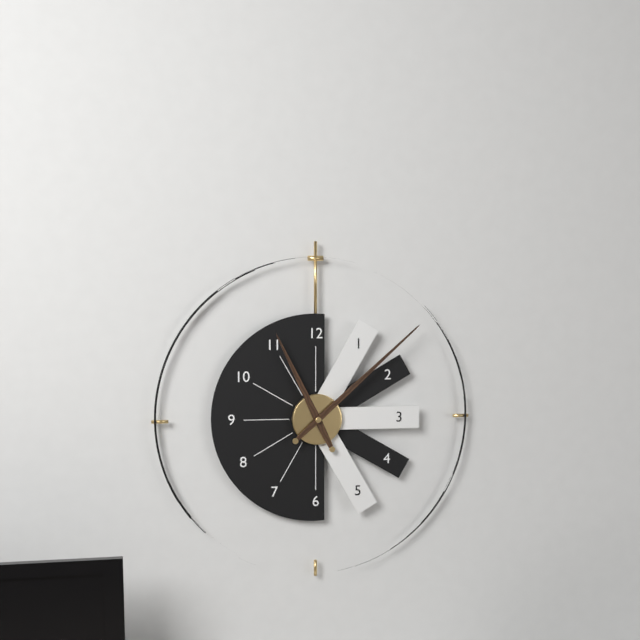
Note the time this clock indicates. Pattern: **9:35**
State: **11:08**
